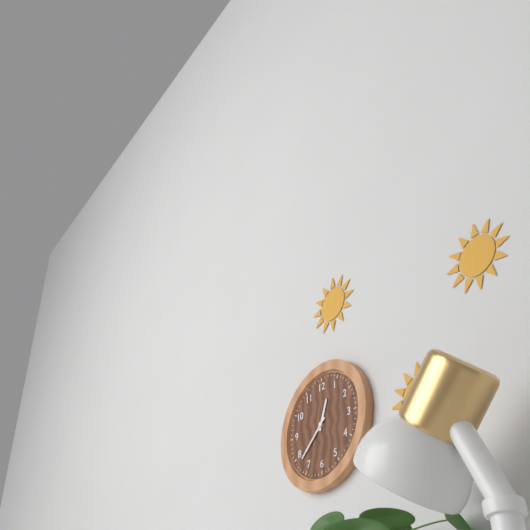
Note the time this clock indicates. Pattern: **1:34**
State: **12:38**
